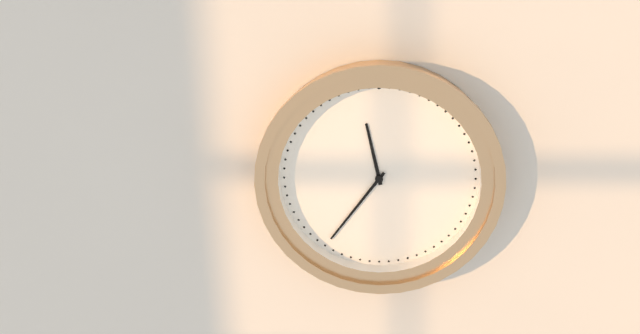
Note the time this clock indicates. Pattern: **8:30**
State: **11:36**
